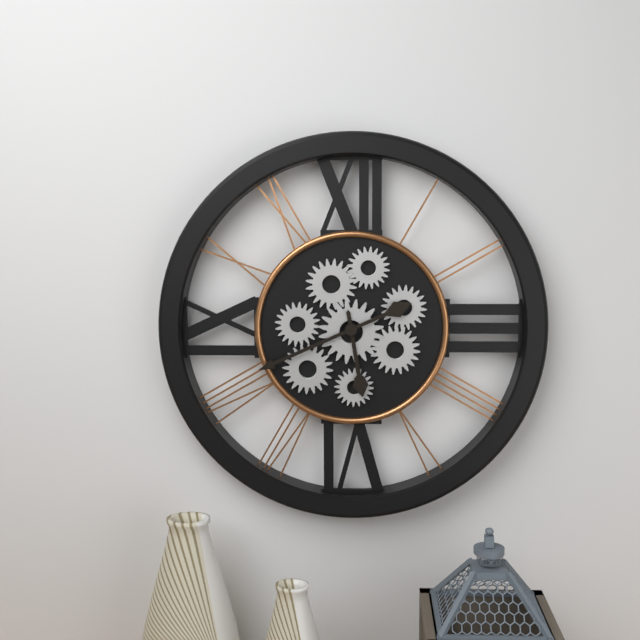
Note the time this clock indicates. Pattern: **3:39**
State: **5:41**
